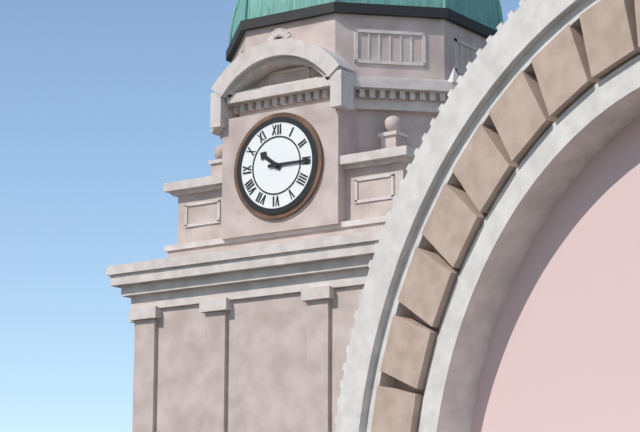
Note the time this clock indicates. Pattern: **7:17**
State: **10:15**
